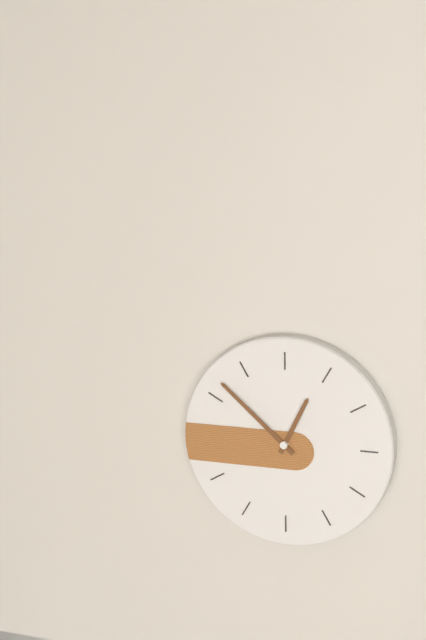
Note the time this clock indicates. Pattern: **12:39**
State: **12:52**
